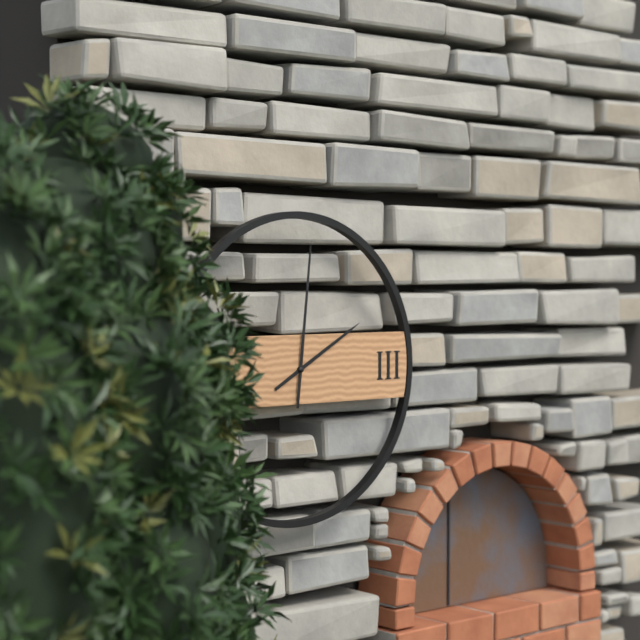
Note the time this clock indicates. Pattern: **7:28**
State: **2:01**
